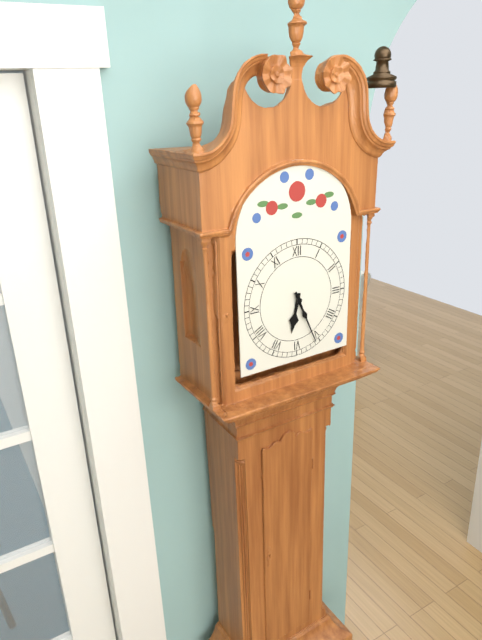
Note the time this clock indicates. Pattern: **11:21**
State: **6:26**
